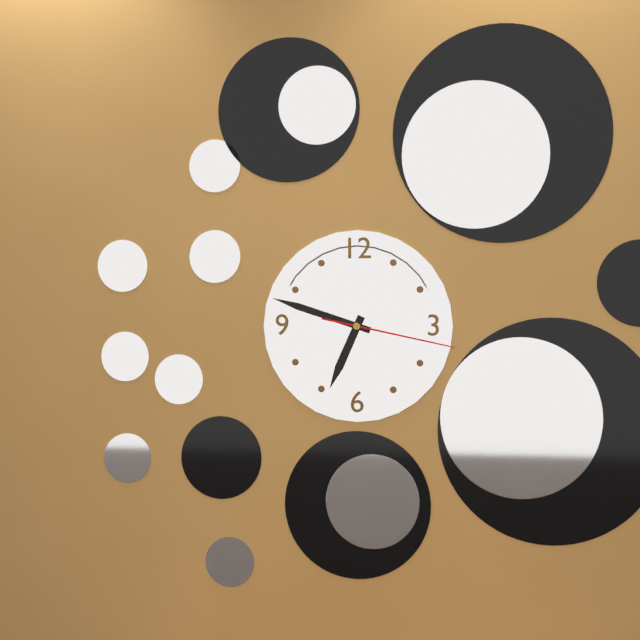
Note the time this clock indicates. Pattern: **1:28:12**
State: **6:48:17**
